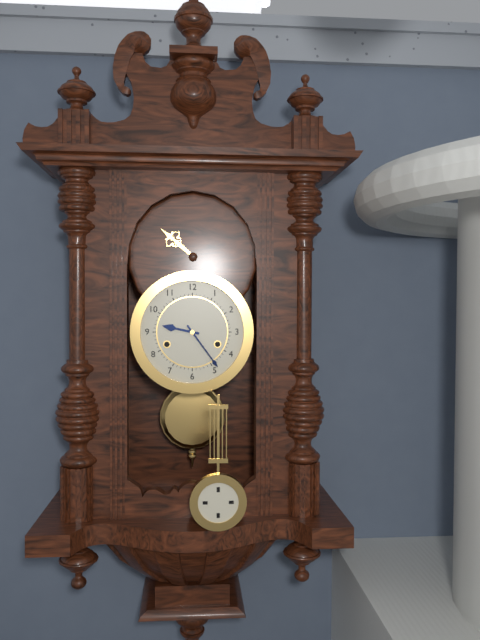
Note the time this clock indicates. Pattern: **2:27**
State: **9:24**
